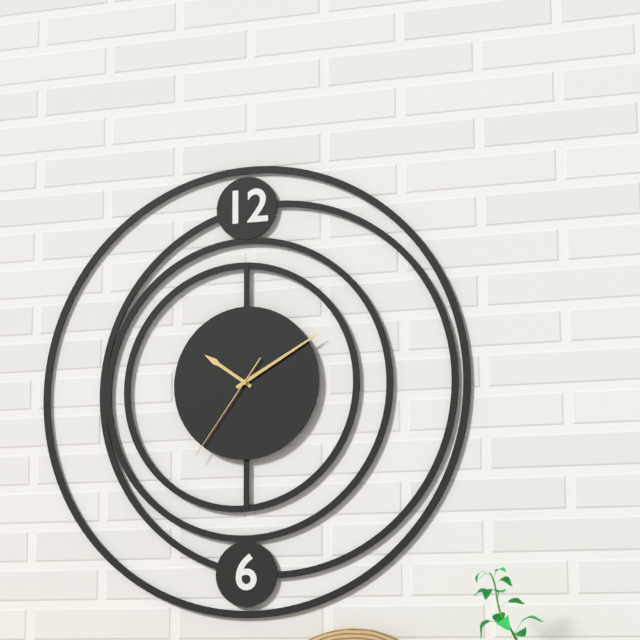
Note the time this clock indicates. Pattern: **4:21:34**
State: **10:10:36**
